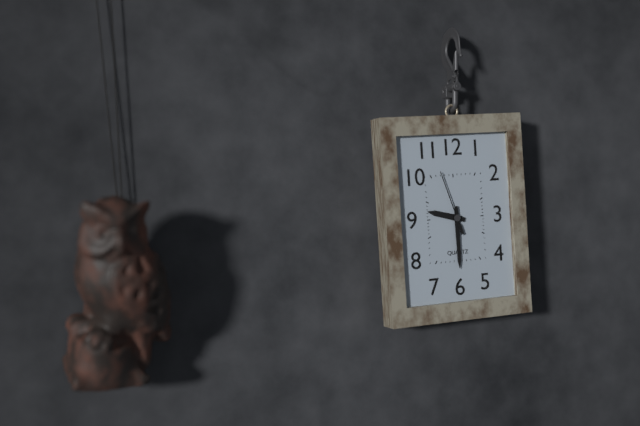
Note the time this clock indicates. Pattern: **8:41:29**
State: **9:30:57**
